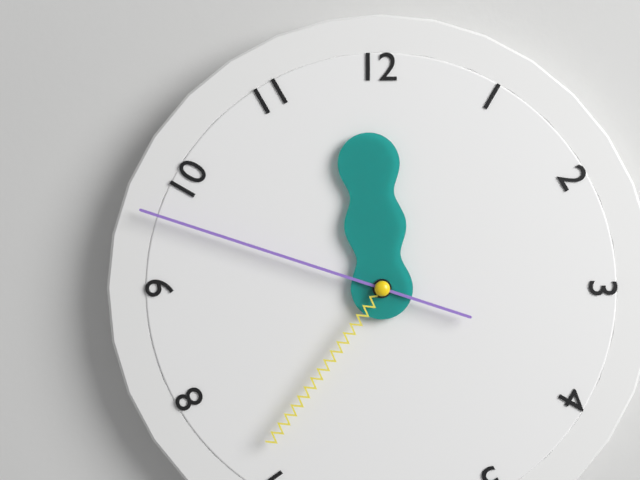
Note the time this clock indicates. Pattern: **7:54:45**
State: **11:48:36**
